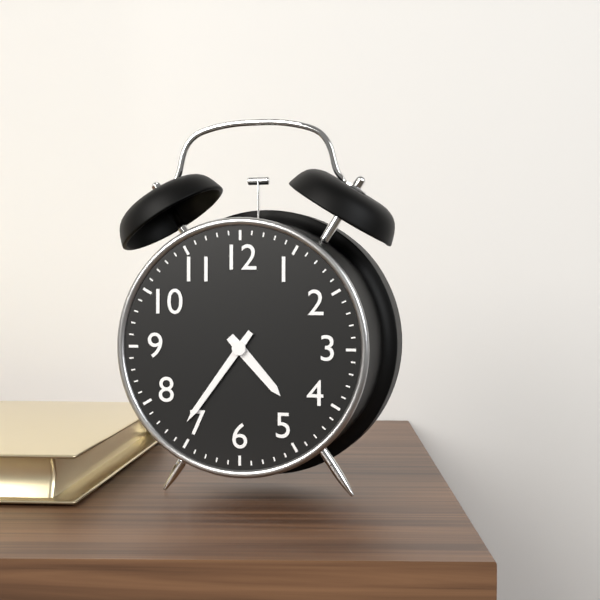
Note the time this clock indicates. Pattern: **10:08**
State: **4:36**
